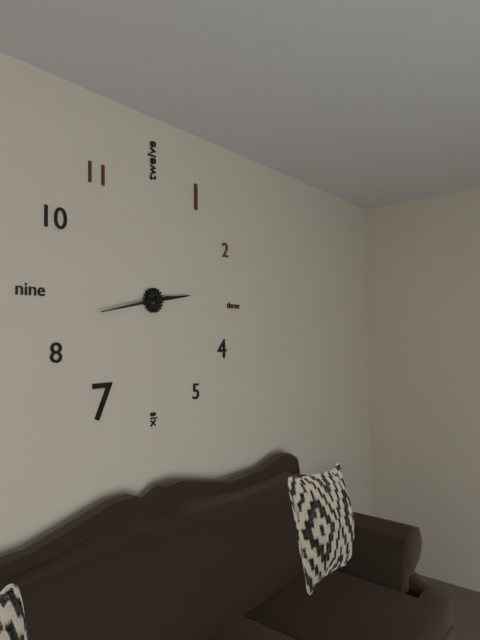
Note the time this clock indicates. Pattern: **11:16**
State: **2:43**
